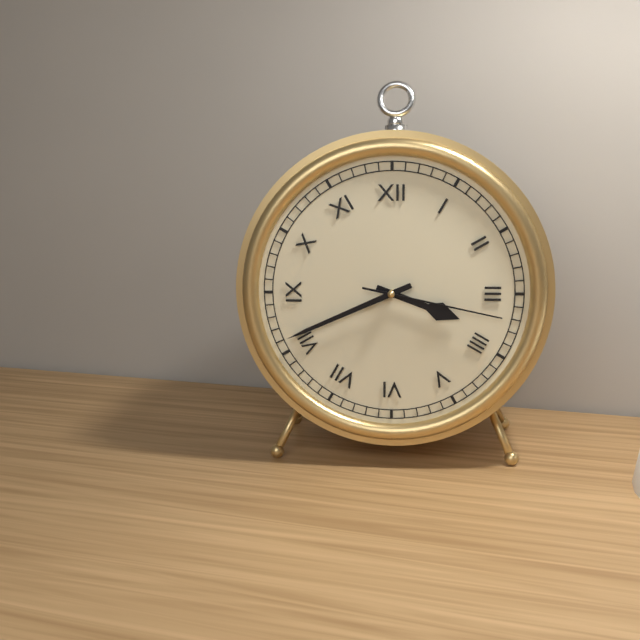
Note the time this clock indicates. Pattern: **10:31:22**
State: **3:41:17**
